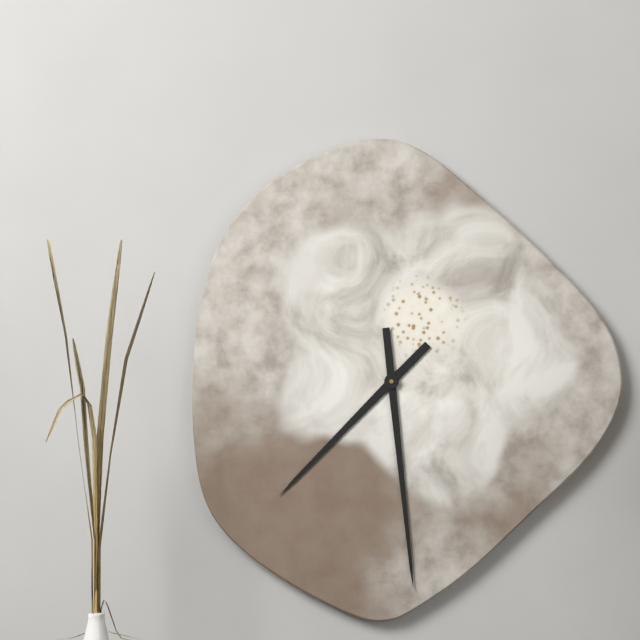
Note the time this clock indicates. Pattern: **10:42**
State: **7:29**
